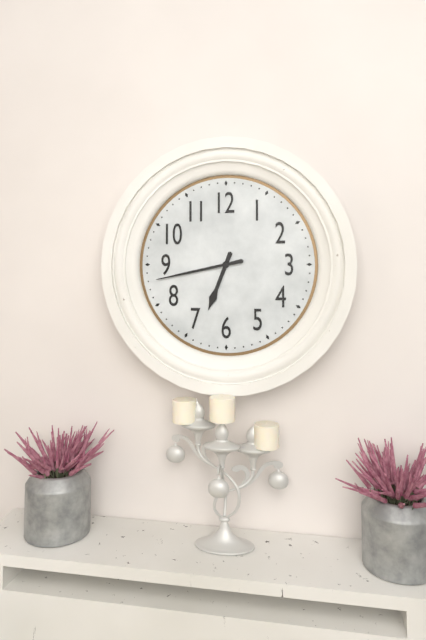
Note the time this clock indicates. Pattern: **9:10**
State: **6:43**
